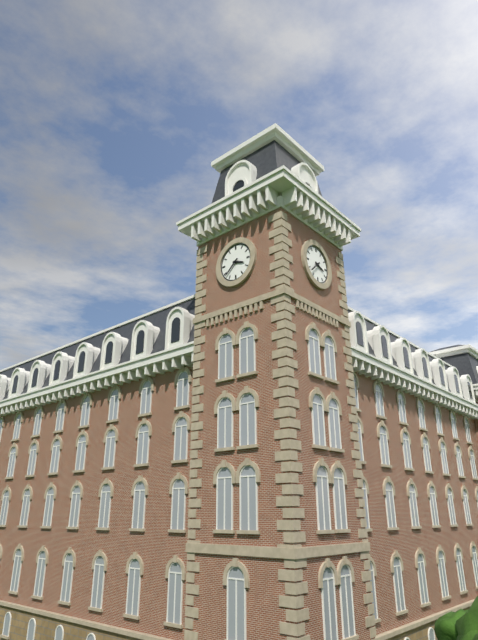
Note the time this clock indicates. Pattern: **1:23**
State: **3:38**
